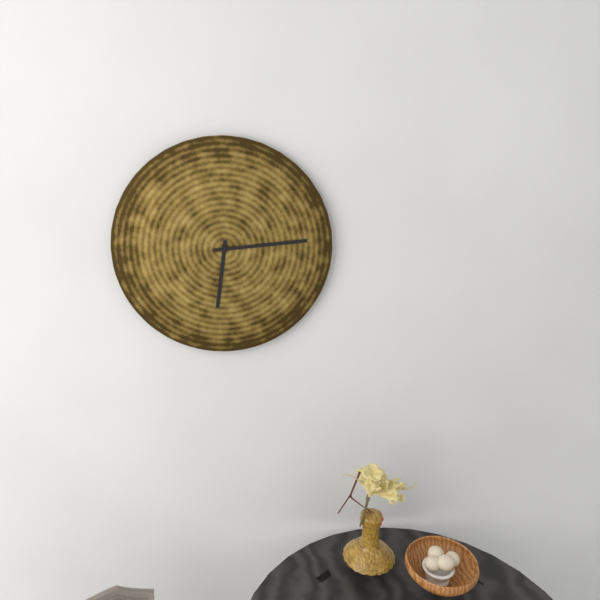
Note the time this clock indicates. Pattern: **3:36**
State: **6:14**
